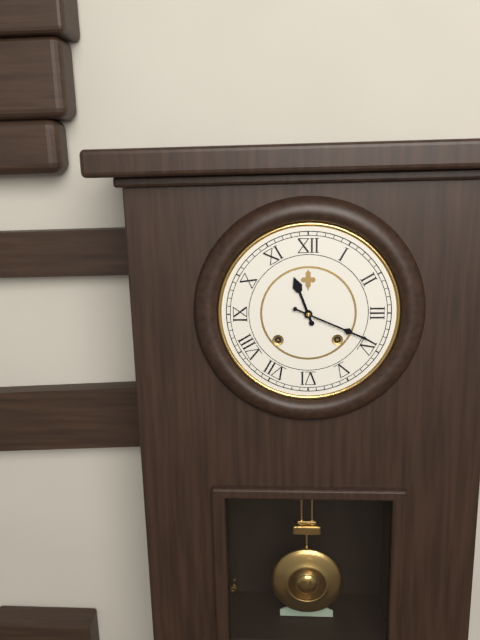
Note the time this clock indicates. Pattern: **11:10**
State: **11:19**
